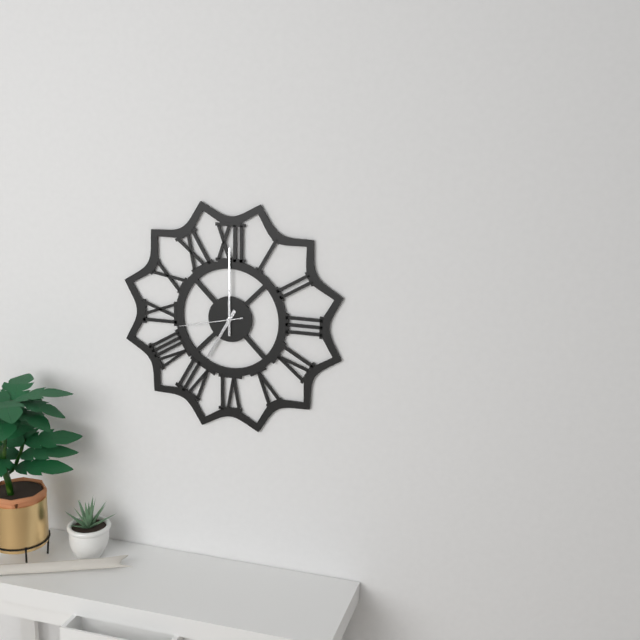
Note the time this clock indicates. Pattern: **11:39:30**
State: **7:00:43**
